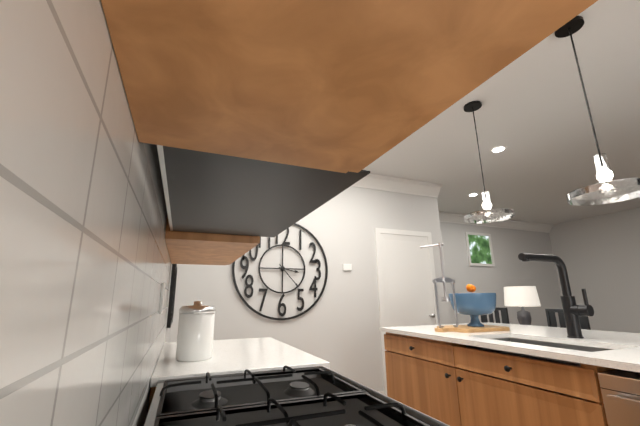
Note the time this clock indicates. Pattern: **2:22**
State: **3:23**
